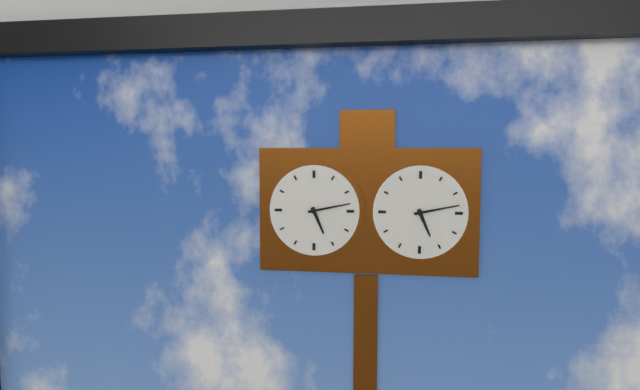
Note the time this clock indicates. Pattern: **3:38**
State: **5:13**
